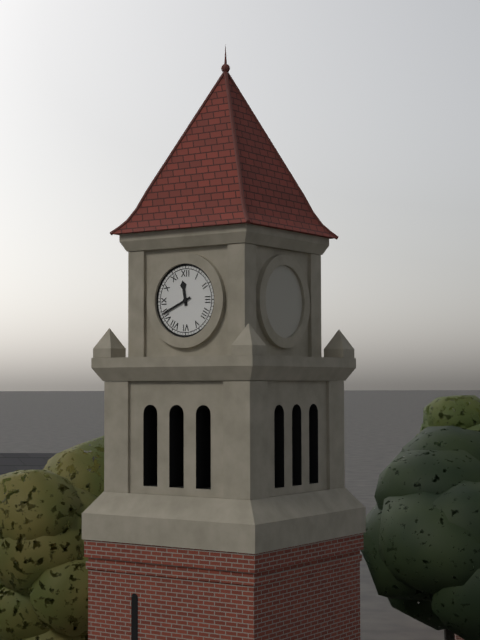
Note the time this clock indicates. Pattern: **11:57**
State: **11:41**
